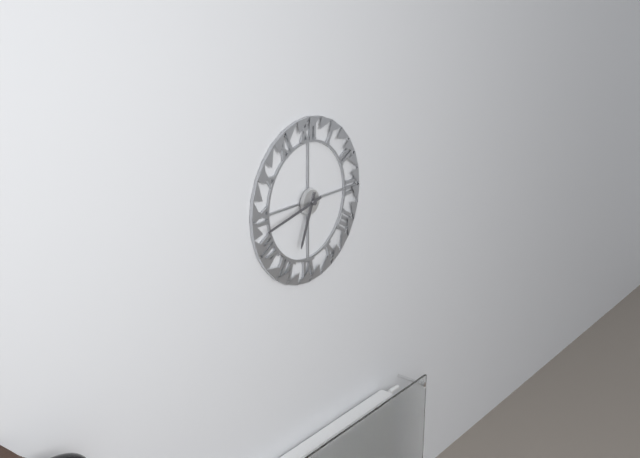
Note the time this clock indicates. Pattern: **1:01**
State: **6:43**
